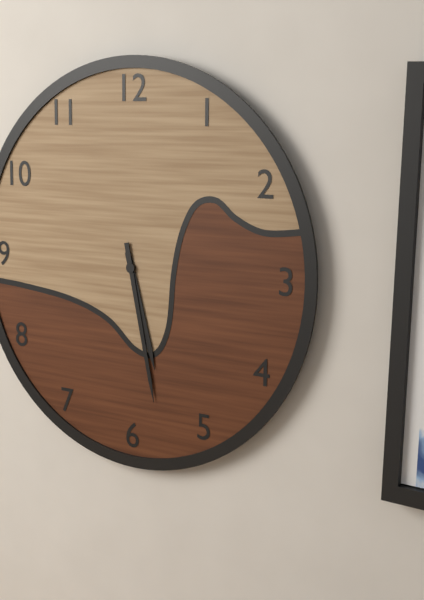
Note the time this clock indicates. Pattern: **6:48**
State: **5:28**
